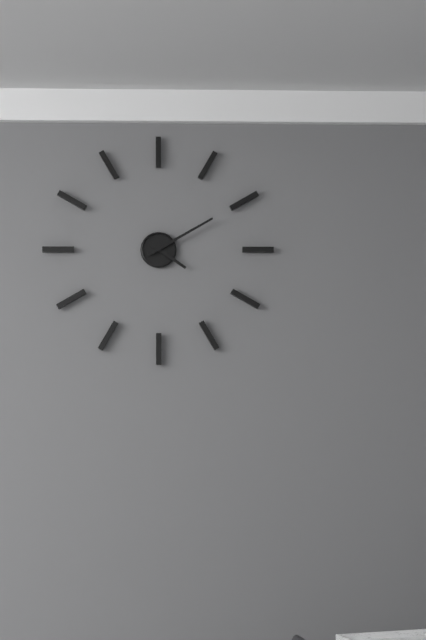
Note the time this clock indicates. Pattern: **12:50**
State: **4:10**
